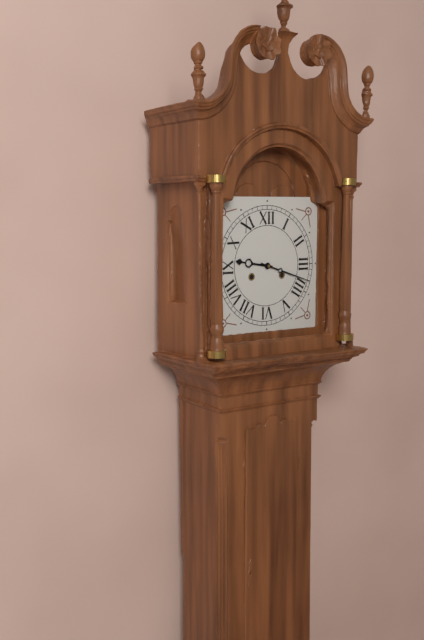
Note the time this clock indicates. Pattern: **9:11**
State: **9:18**
